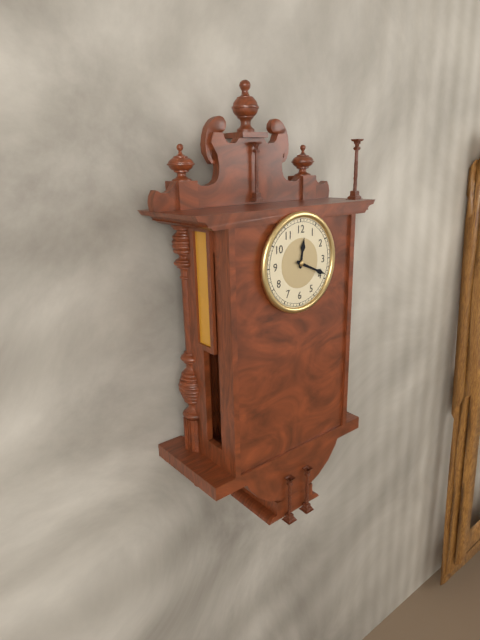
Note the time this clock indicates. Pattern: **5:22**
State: **12:19**
